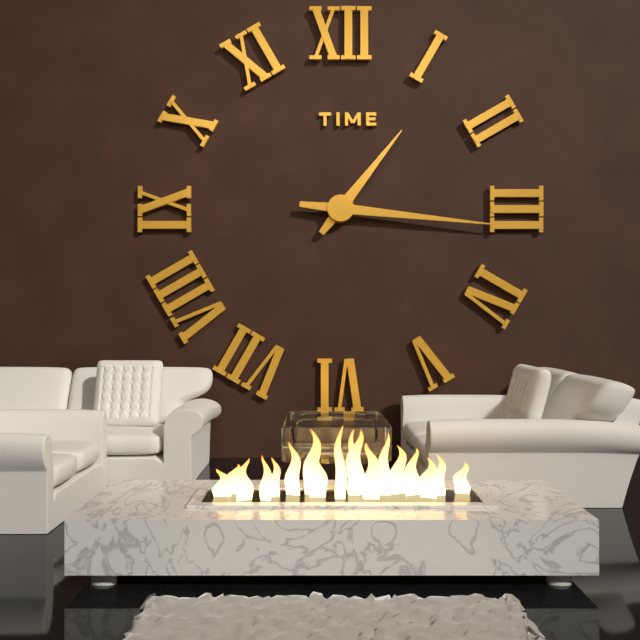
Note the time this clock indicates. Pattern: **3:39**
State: **1:16**
